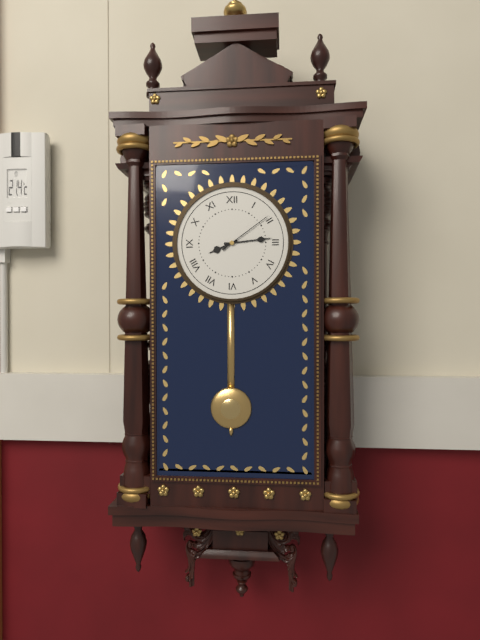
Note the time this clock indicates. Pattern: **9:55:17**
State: **8:14:09**
